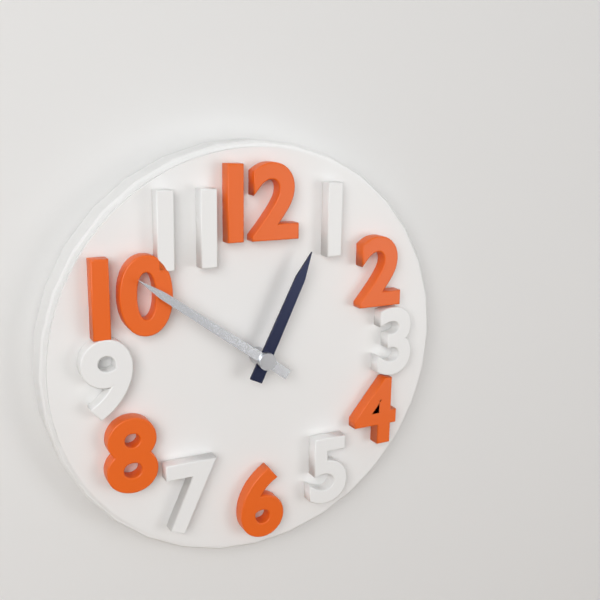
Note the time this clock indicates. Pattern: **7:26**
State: **12:51**
